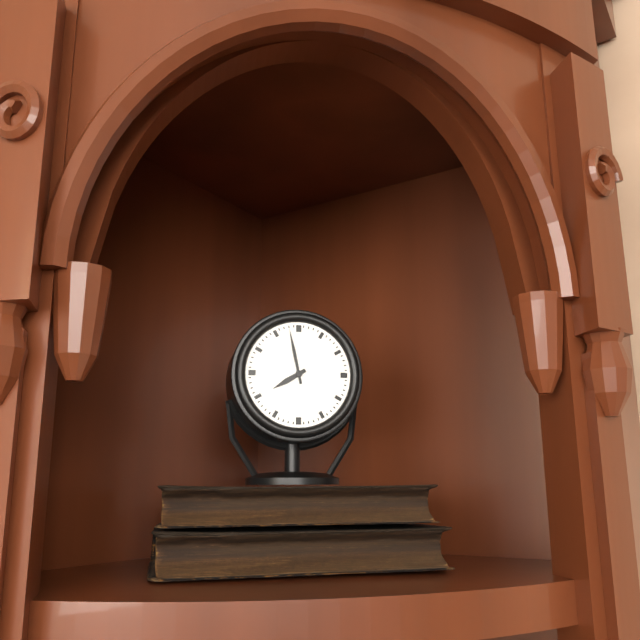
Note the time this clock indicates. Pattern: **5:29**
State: **7:58**
